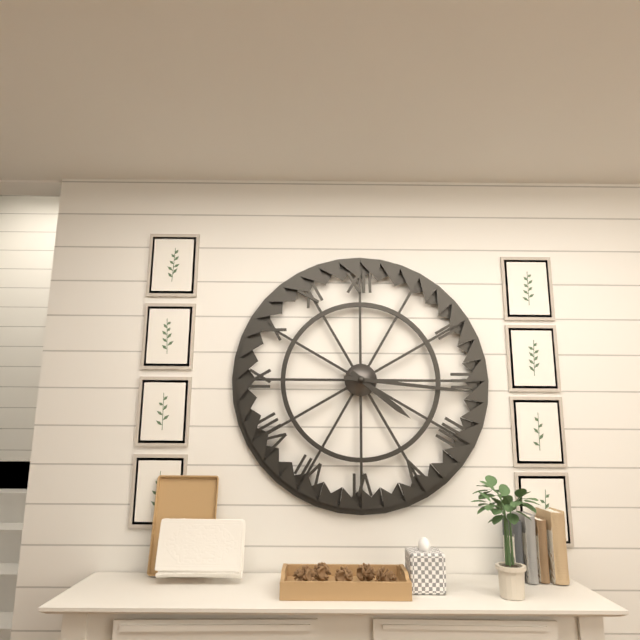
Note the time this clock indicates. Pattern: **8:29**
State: **4:16**
